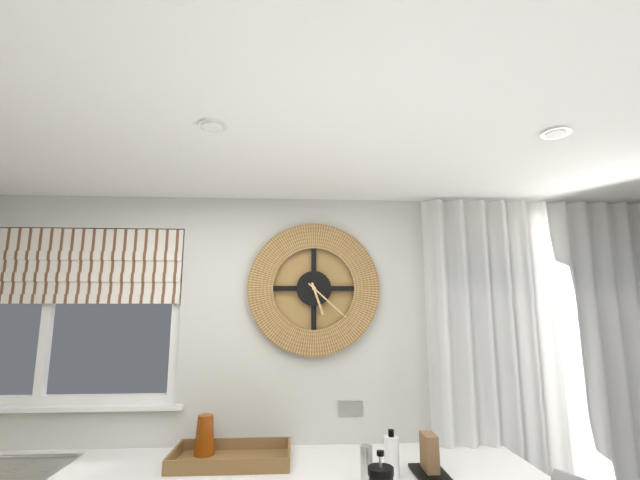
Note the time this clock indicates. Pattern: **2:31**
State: **5:22**
